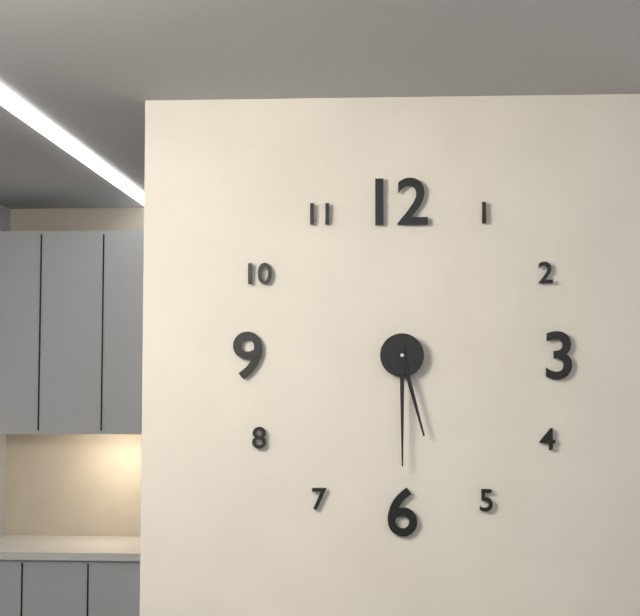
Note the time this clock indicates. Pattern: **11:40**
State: **5:30**
